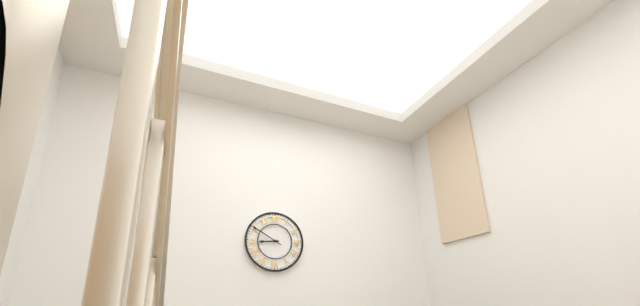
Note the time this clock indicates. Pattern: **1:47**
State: **8:50**
